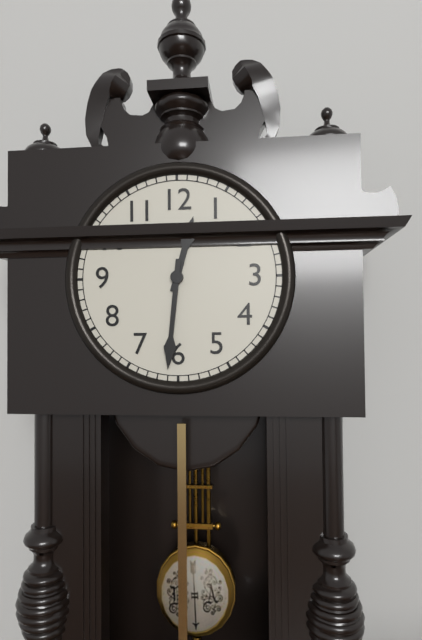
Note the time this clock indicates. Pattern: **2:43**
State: **12:31**
